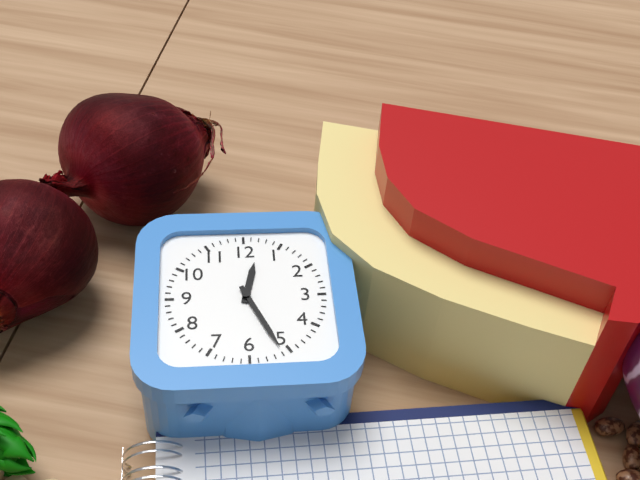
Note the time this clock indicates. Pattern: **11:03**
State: **12:26**
